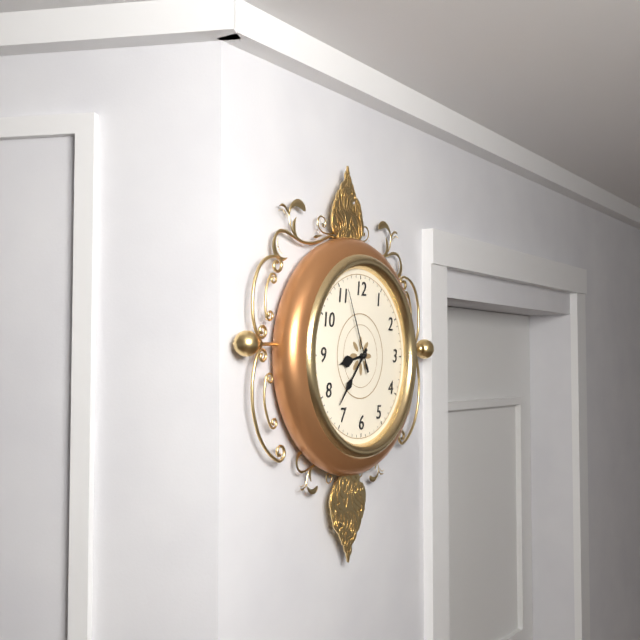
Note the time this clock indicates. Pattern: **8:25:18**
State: **8:37:56**
